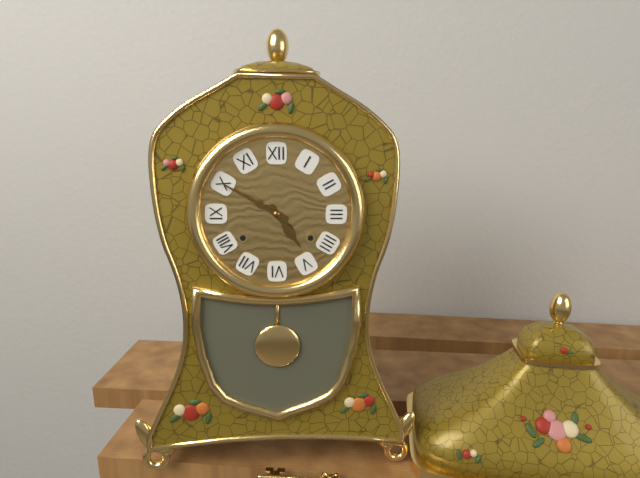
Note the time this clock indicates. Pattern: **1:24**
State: **4:50**
